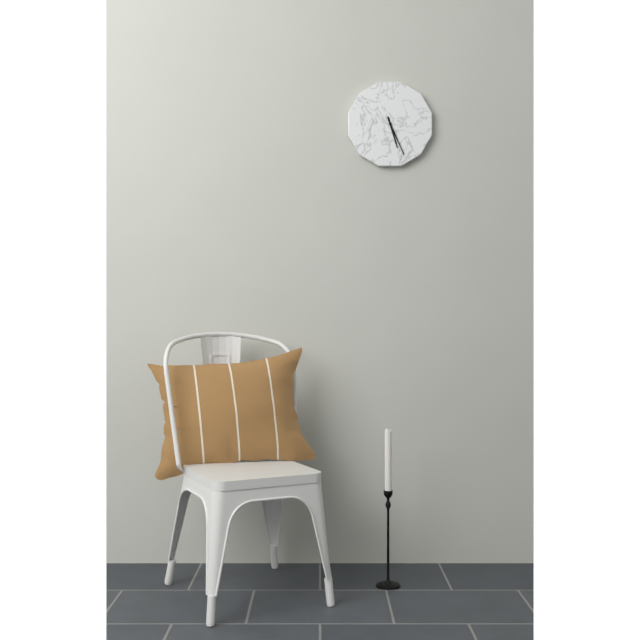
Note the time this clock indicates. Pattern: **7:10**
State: **5:26**
